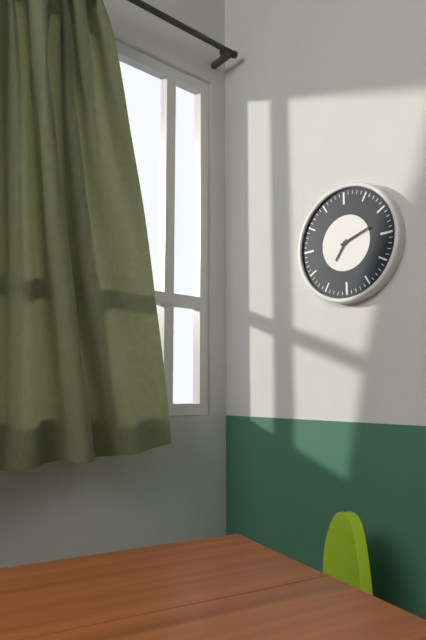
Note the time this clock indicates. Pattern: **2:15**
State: **7:12**
